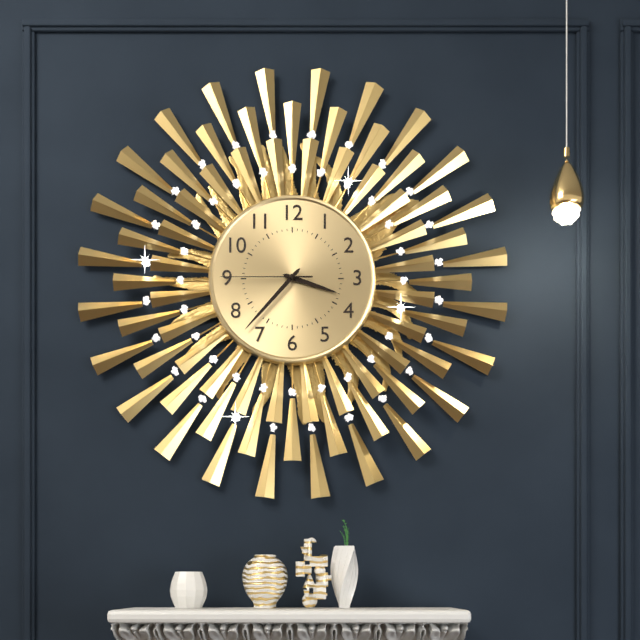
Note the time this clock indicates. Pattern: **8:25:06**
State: **3:37:45**
